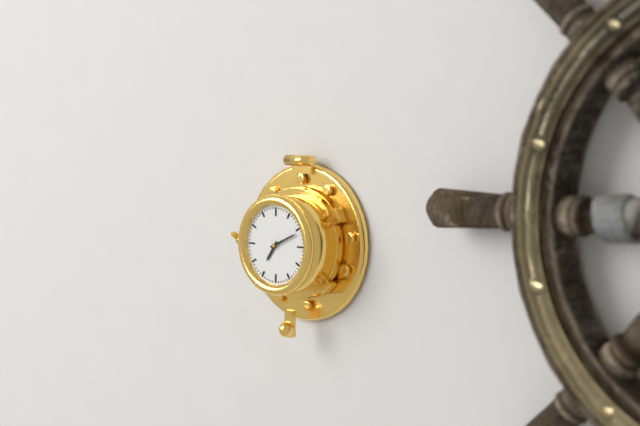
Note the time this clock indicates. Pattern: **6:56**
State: **7:11**
